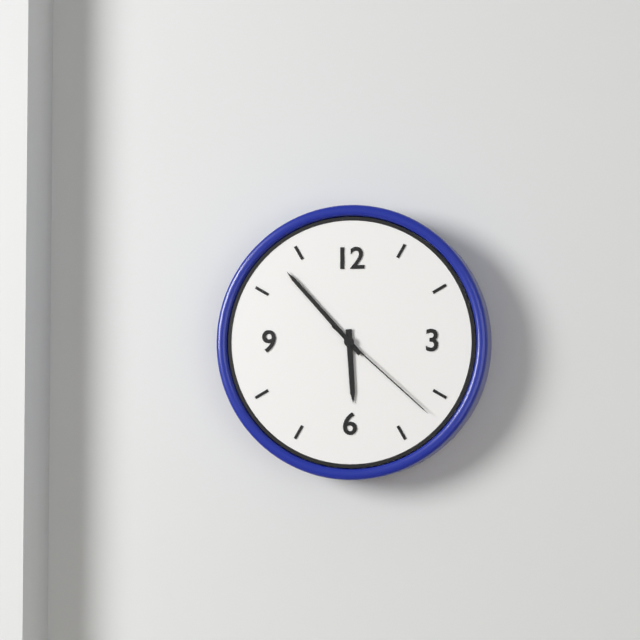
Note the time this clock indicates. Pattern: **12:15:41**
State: **5:53:22**
